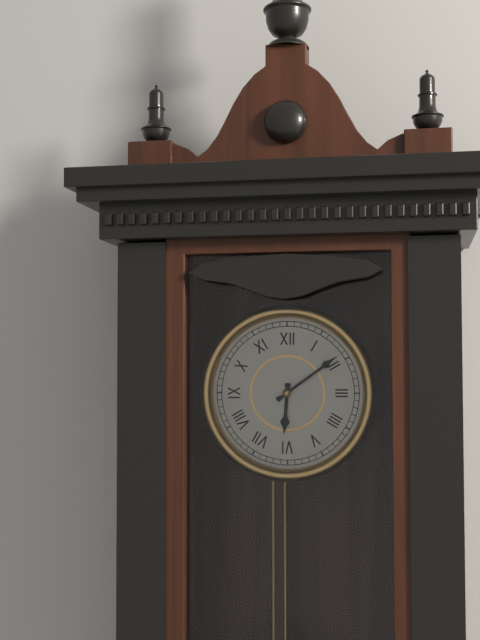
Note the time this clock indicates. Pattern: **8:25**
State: **6:09**
